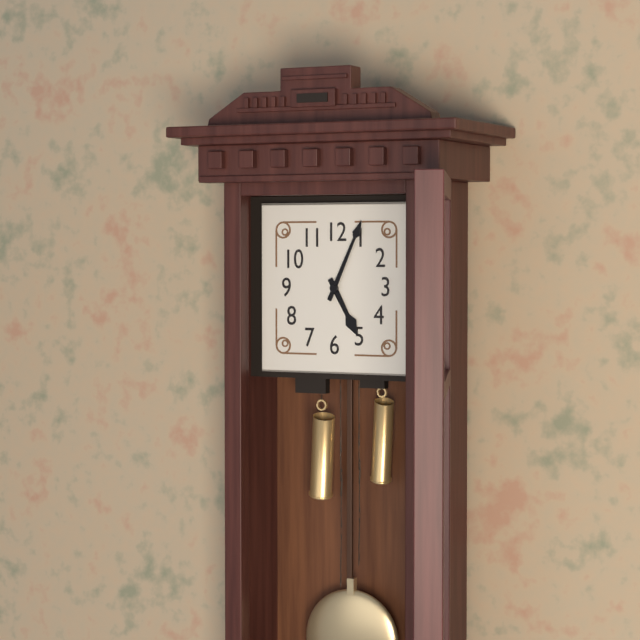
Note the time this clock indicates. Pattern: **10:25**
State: **5:04**
